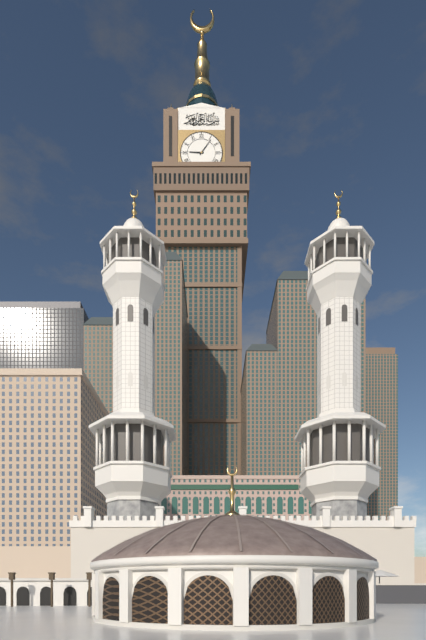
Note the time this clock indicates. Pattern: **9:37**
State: **9:06**
